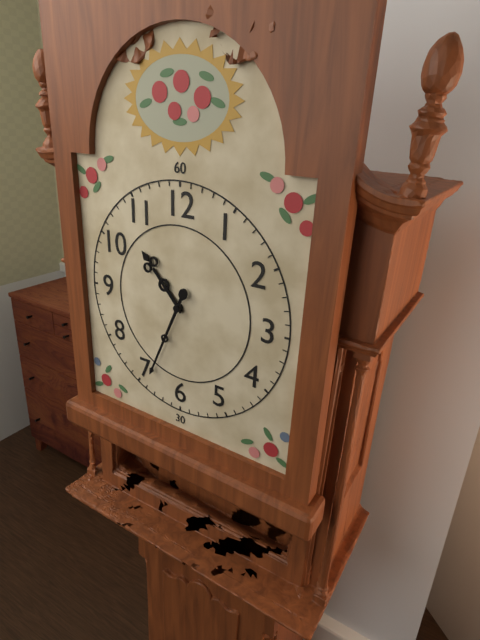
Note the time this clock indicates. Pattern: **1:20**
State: **10:34**
